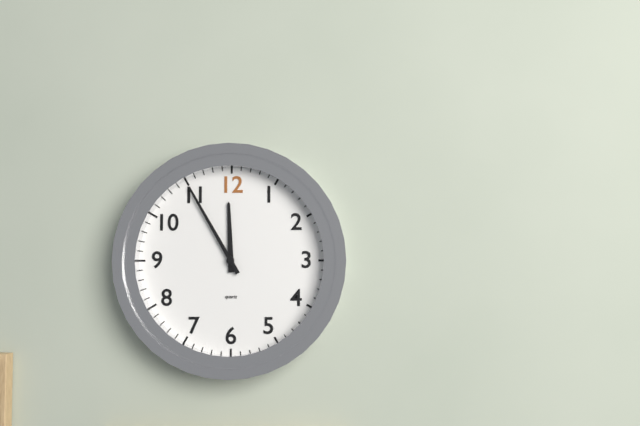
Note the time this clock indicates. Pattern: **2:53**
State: **11:55**
